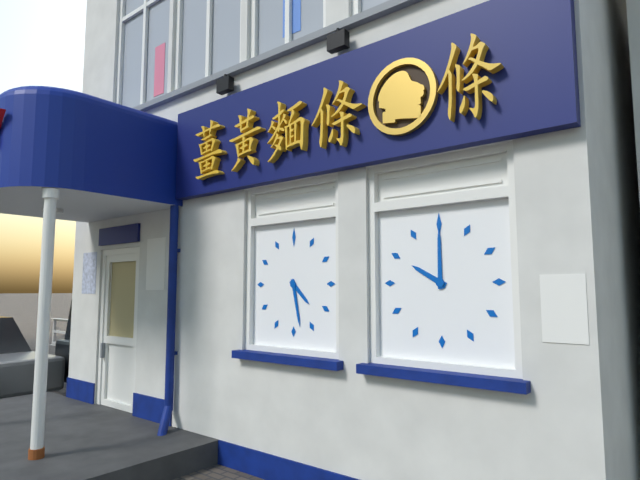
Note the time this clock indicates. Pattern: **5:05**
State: **4:28**
